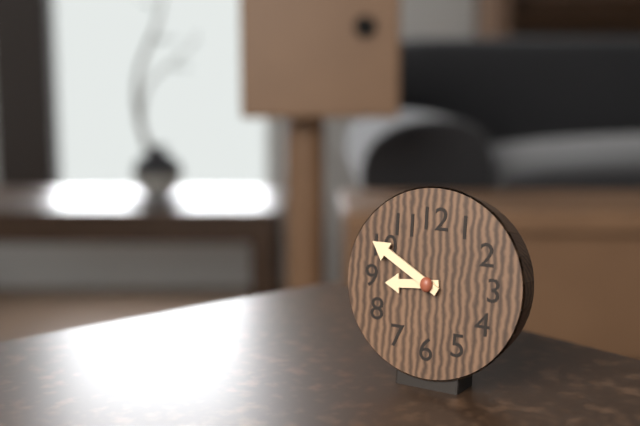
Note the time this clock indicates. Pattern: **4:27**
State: **8:50**
